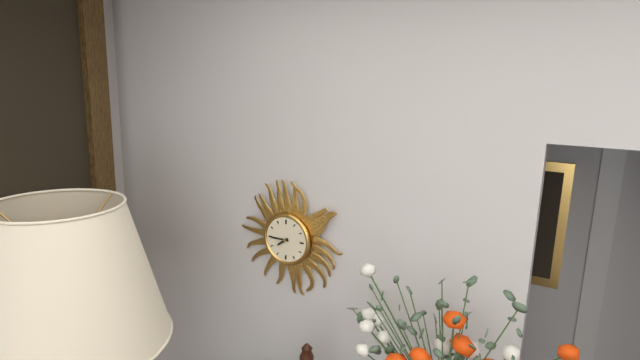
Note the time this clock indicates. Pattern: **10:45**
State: **7:45**
